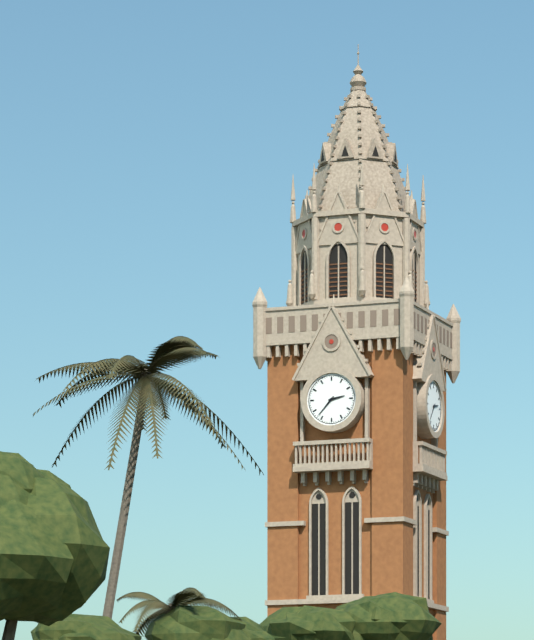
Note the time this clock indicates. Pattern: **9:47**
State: **2:37**
